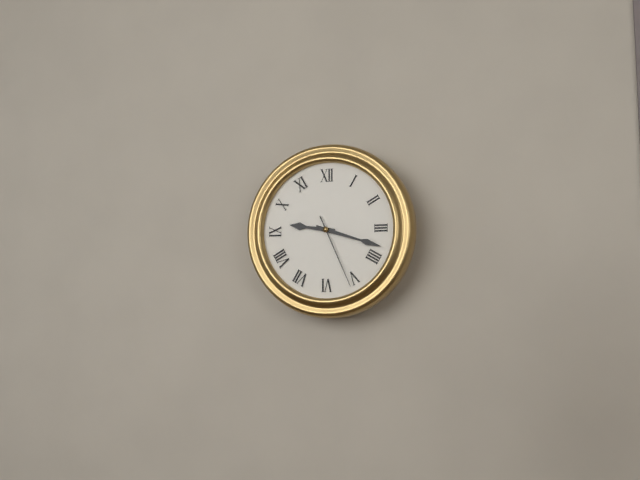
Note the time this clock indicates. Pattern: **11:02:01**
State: **9:18:26**
